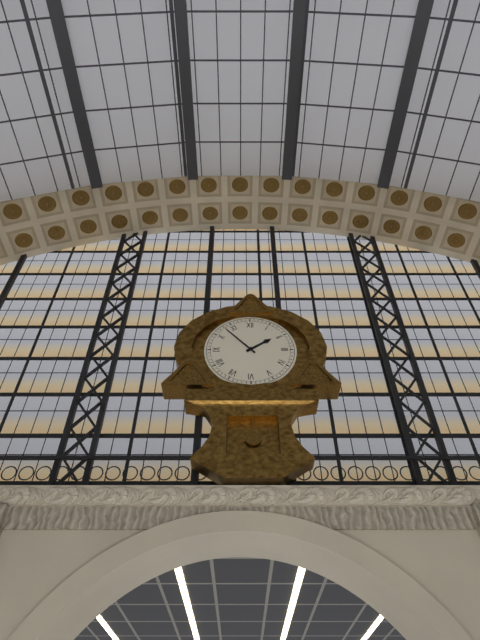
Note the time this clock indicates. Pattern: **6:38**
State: **1:53**
